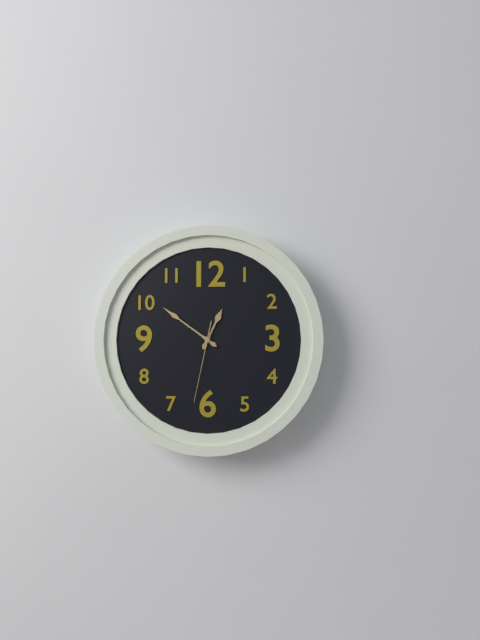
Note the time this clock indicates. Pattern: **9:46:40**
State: **12:51:32**
